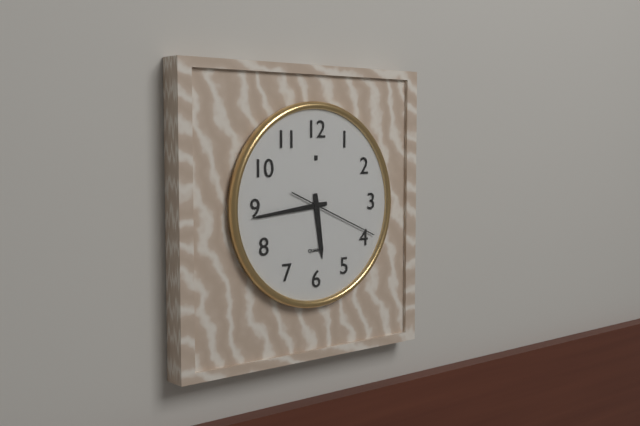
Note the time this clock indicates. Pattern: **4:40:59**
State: **5:44:19**
